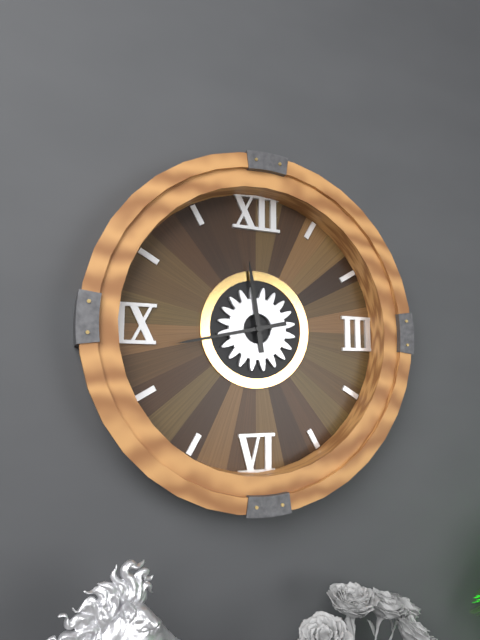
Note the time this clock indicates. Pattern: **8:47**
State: **11:43**
